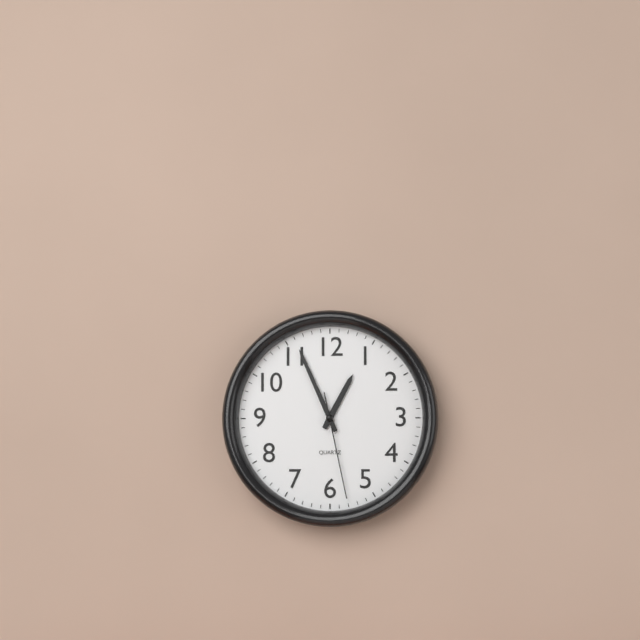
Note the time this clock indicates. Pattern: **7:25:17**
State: **12:56:28**
